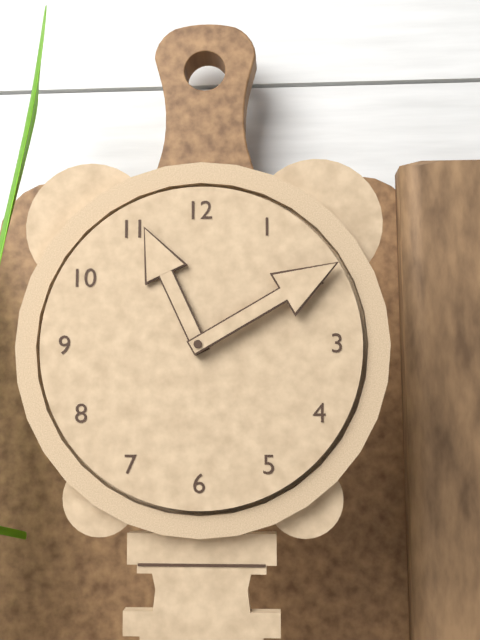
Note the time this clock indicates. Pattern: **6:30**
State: **11:10**
